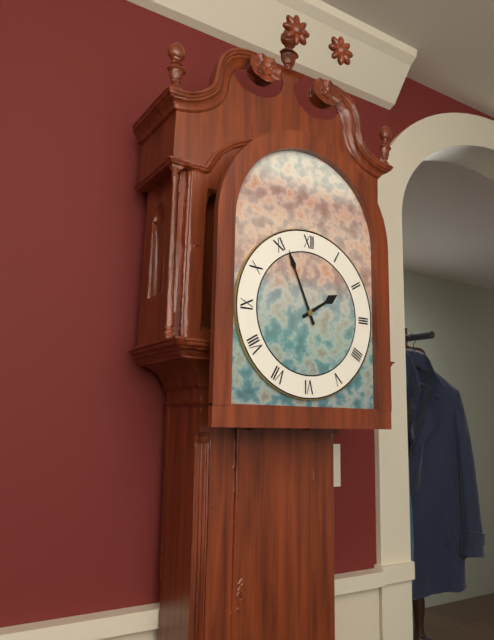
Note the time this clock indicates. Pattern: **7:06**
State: **1:56**
